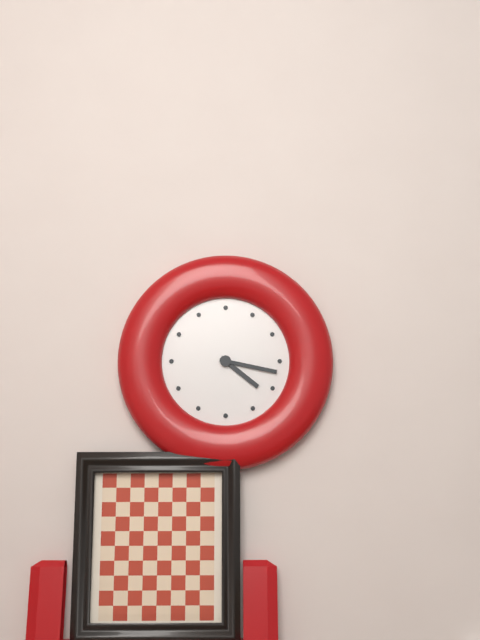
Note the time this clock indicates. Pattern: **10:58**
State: **4:17**
